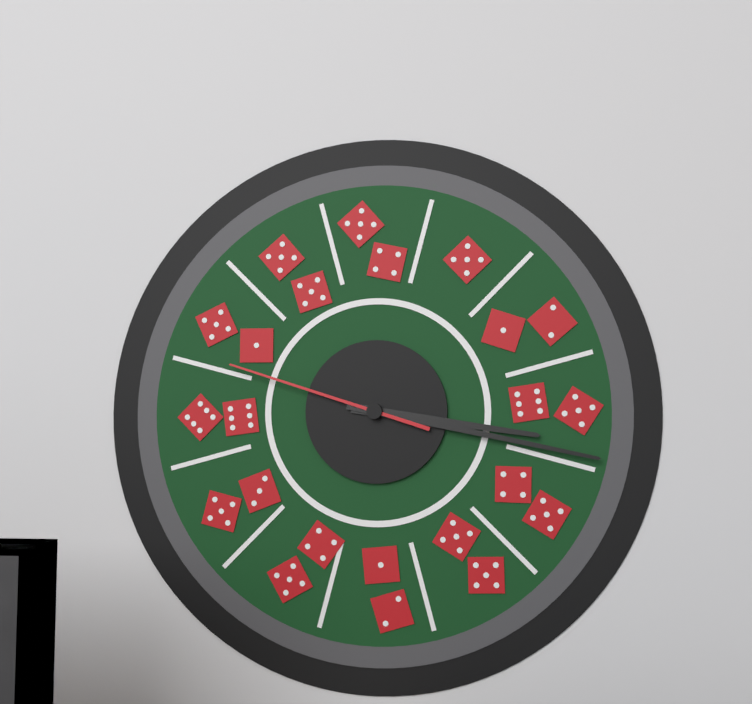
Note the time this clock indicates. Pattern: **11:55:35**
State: **3:17:48**
